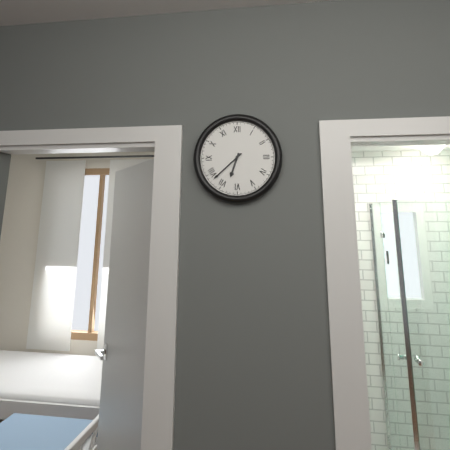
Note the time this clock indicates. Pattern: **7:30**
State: **6:38**
